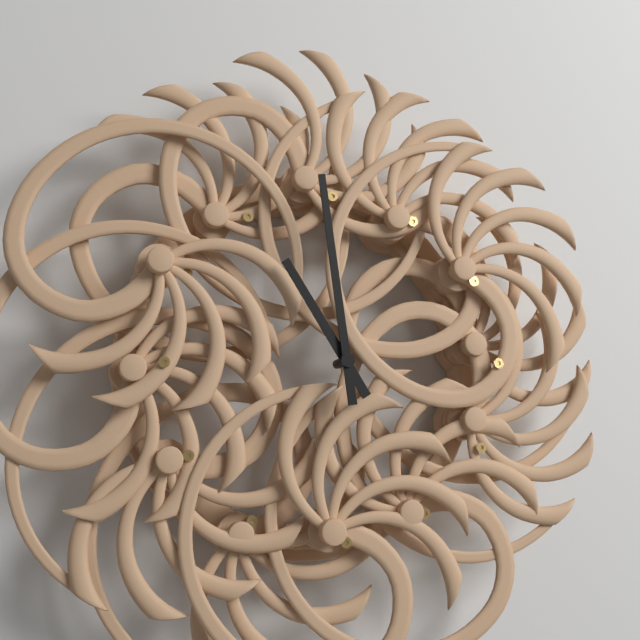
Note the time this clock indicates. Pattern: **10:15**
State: **10:59**
